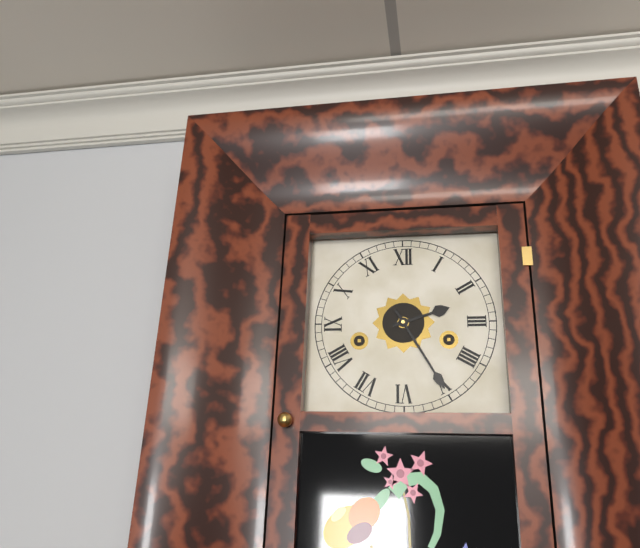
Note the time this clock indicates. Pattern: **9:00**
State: **2:25**
